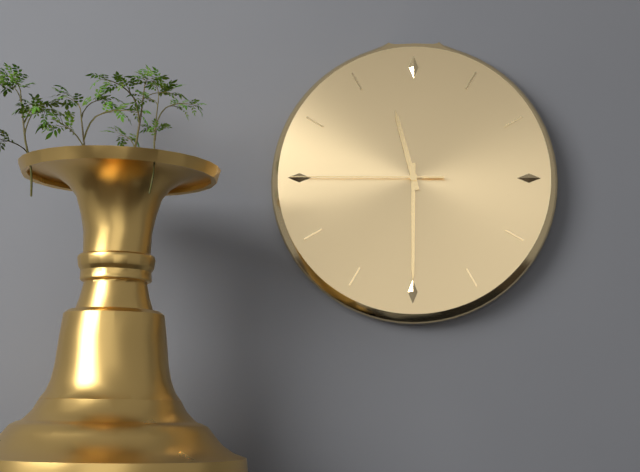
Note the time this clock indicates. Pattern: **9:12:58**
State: **11:30:45**
